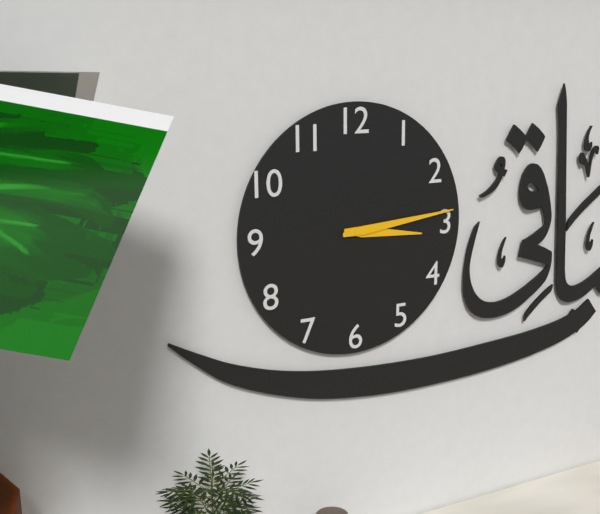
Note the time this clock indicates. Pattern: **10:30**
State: **3:14**
